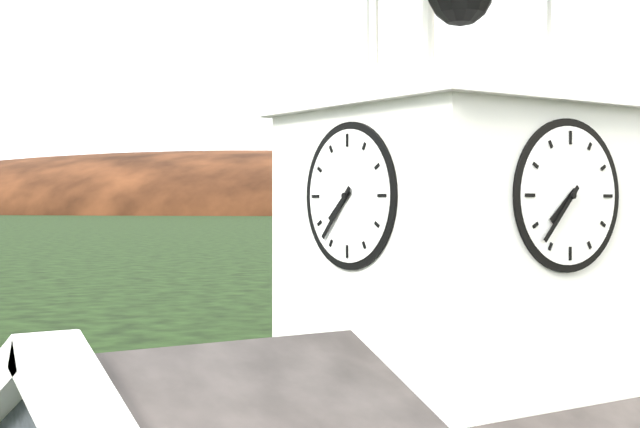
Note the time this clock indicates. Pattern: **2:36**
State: **7:37**
